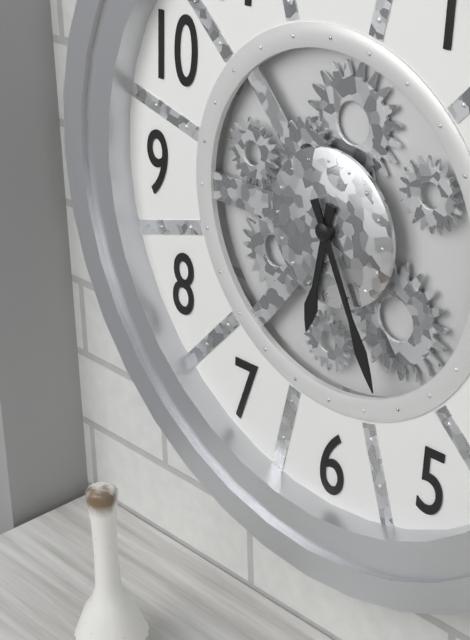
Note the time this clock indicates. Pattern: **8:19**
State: **6:26**
